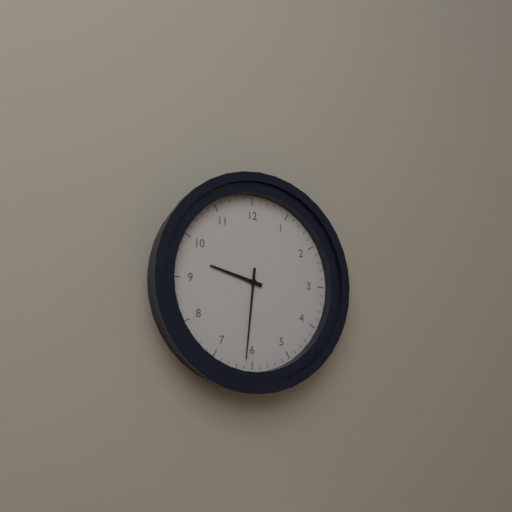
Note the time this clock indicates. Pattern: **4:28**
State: **9:31**
